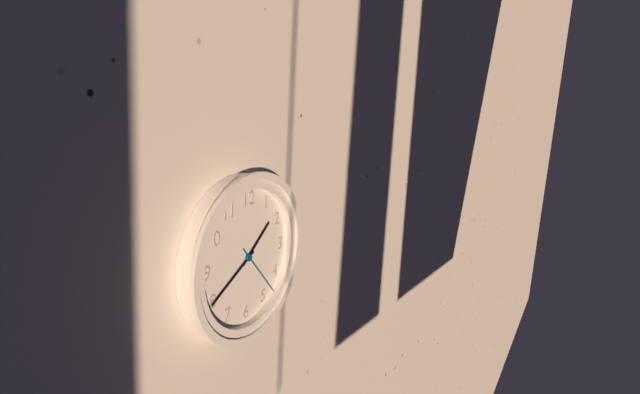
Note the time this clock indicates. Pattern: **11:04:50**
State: **1:40:23**
